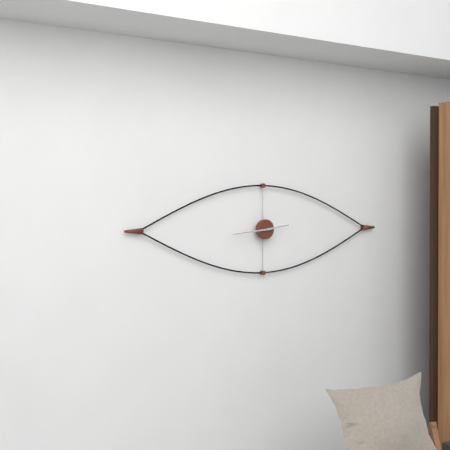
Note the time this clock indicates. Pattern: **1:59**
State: **2:44**
